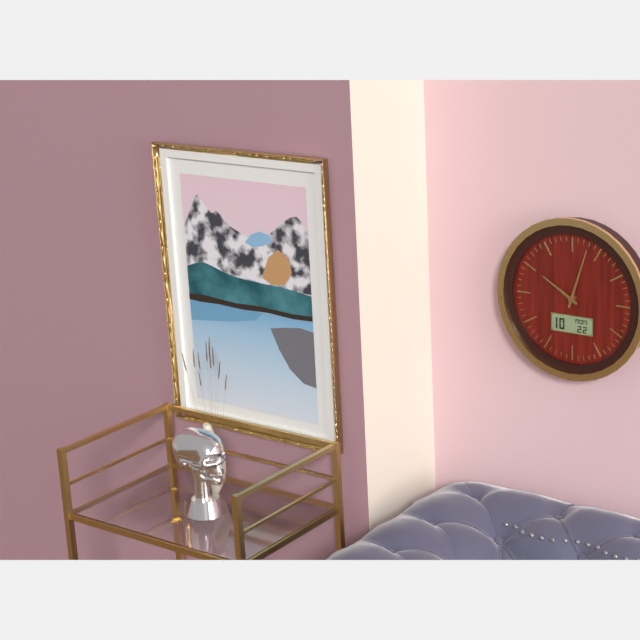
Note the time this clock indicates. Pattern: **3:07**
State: **10:03**
